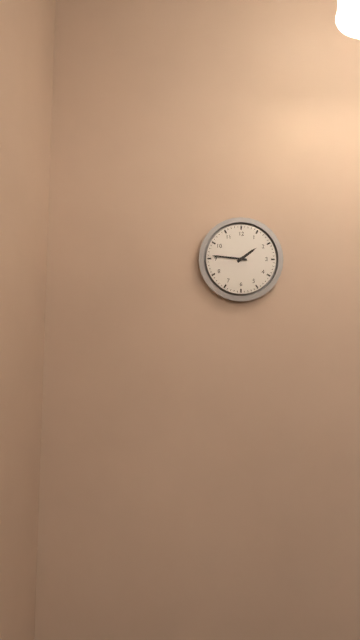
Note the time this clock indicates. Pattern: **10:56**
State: **1:46**
